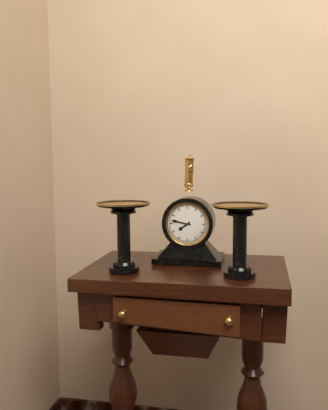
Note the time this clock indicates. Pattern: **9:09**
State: **7:47**
